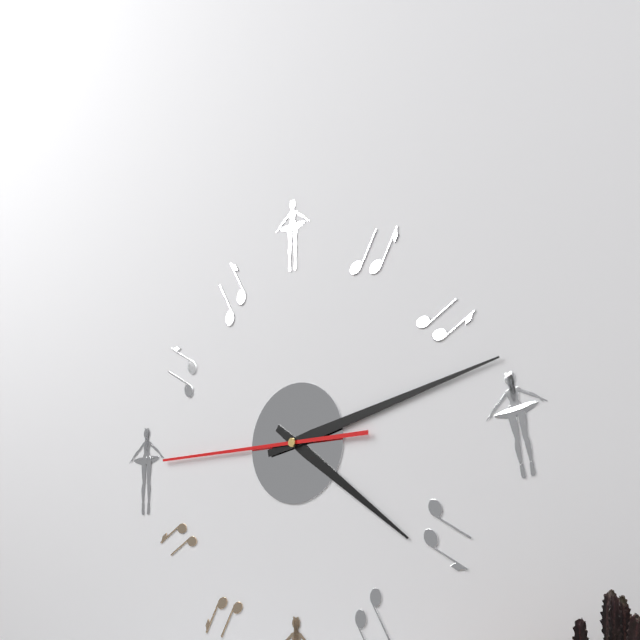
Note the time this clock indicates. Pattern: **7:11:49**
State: **4:13:45**
